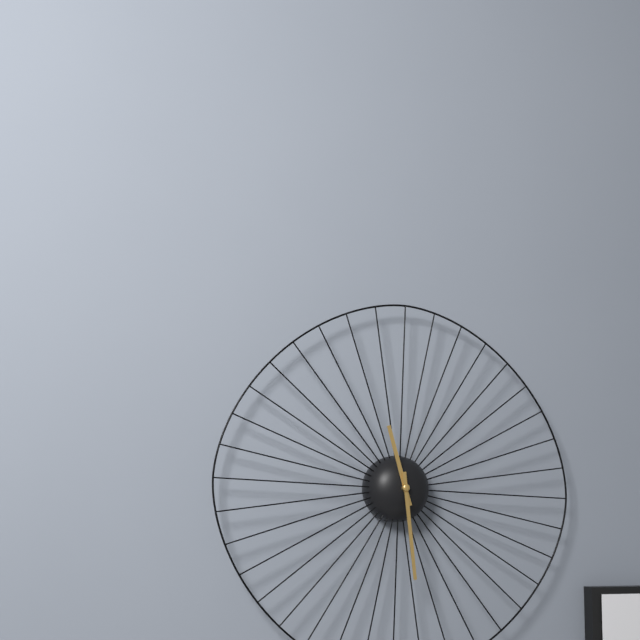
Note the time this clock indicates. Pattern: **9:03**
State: **11:29**
